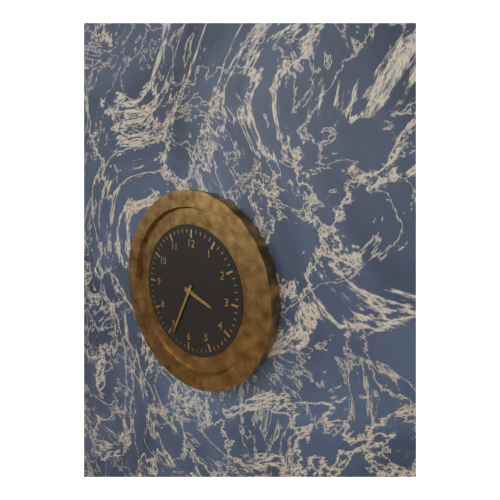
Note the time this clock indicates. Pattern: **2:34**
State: **3:34**
